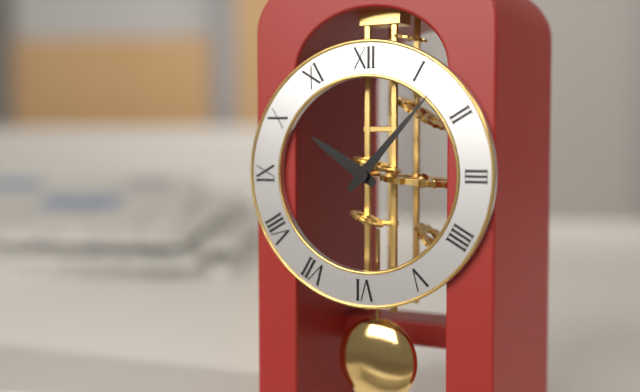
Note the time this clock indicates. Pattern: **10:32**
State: **10:07**
